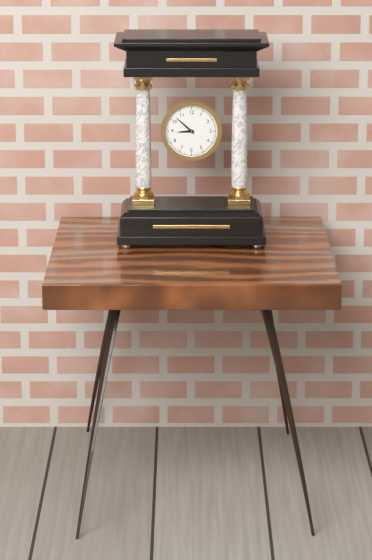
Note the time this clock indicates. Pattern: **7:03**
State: **8:52**
